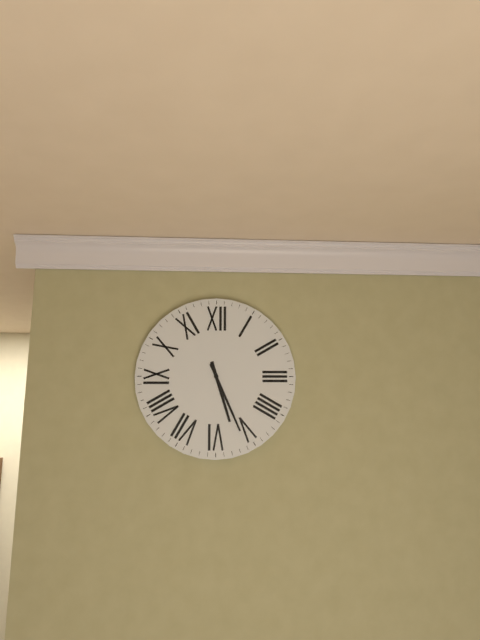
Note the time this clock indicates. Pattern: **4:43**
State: **5:26**
